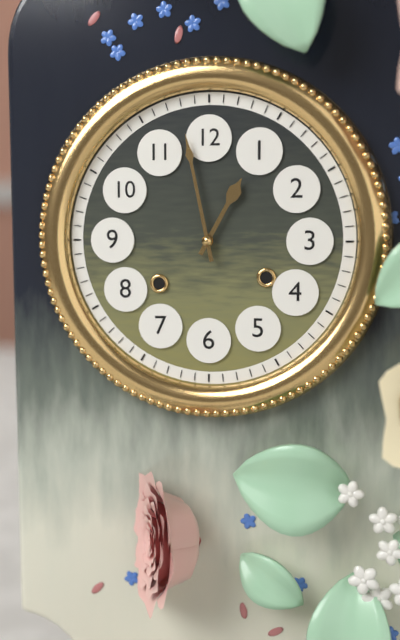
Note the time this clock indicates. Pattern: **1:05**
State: **12:58**
